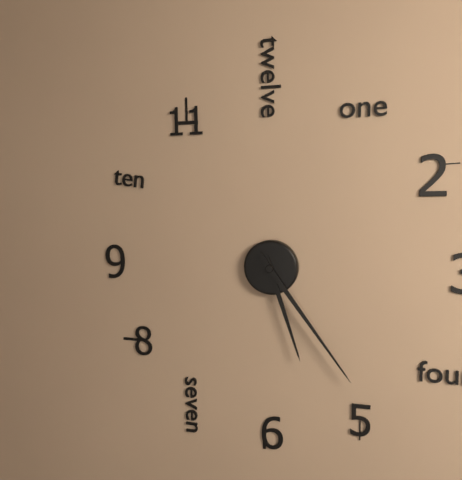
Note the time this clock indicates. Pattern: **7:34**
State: **5:24**
